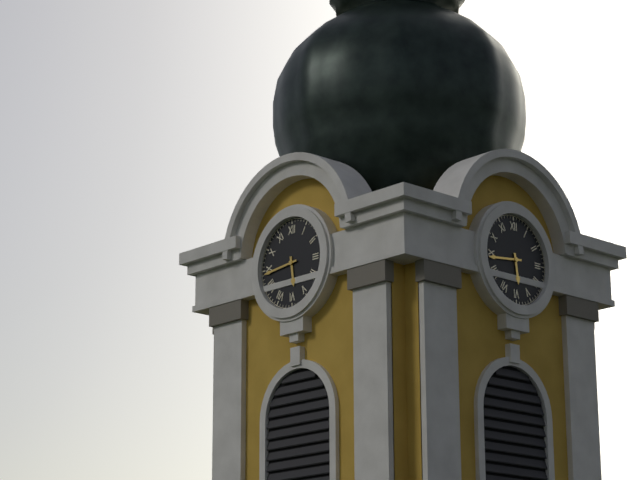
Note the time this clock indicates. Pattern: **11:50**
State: **5:44**
